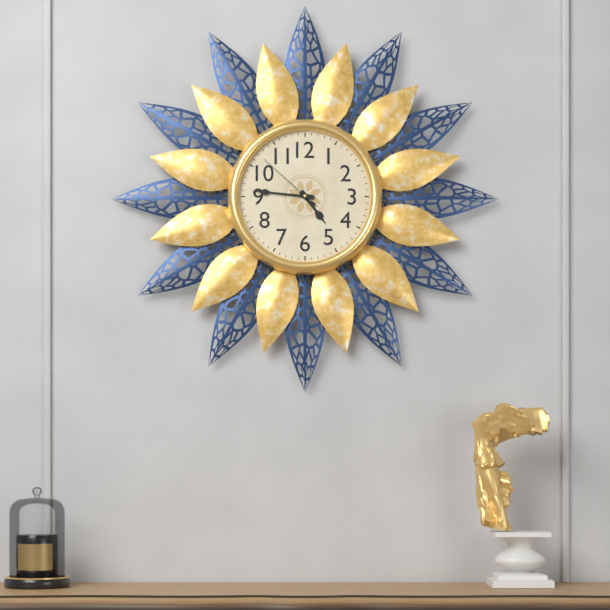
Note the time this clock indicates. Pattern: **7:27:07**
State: **4:46:52**
